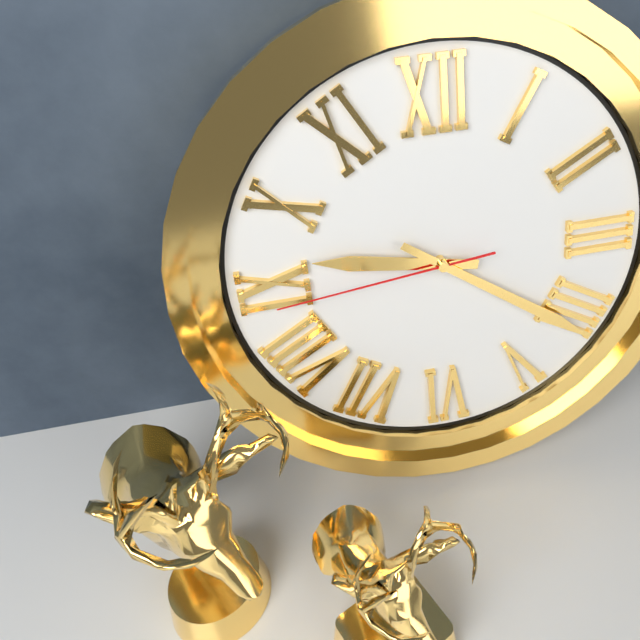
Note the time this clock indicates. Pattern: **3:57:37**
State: **9:21:44**
